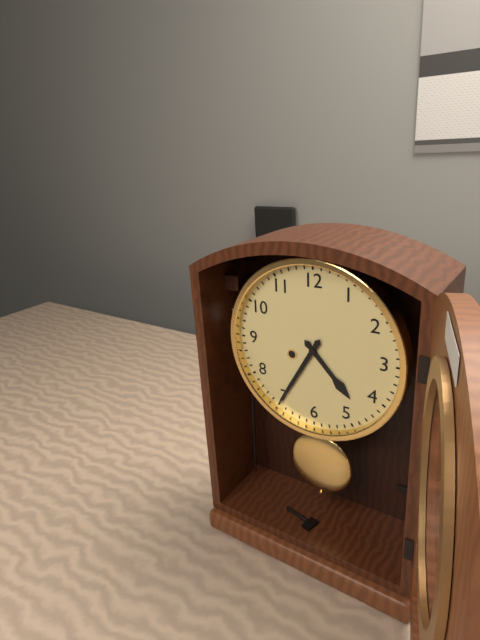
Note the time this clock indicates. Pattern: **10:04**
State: **4:35**
